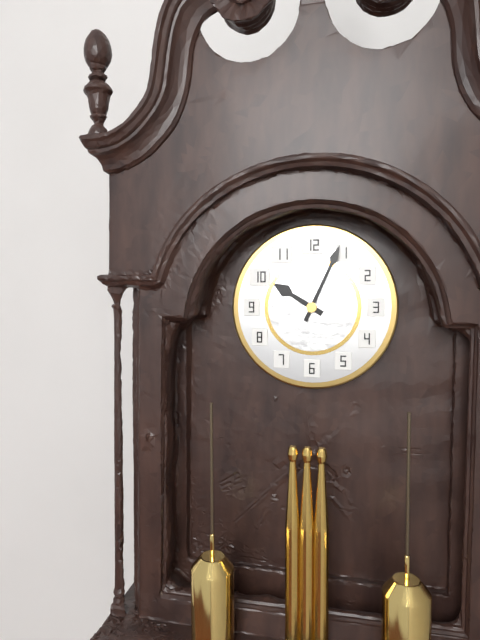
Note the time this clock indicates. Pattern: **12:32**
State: **10:04**
